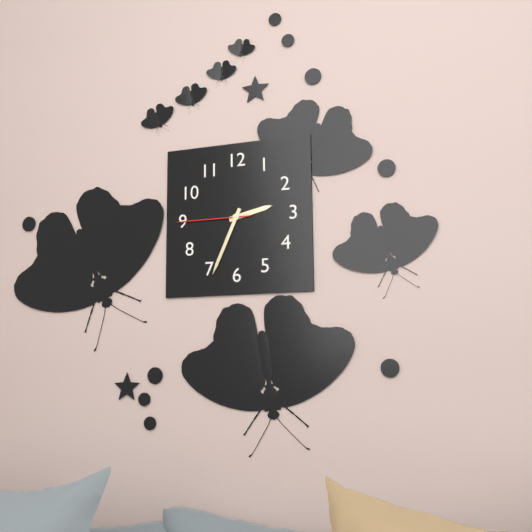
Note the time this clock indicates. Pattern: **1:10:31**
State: **2:34:45**
